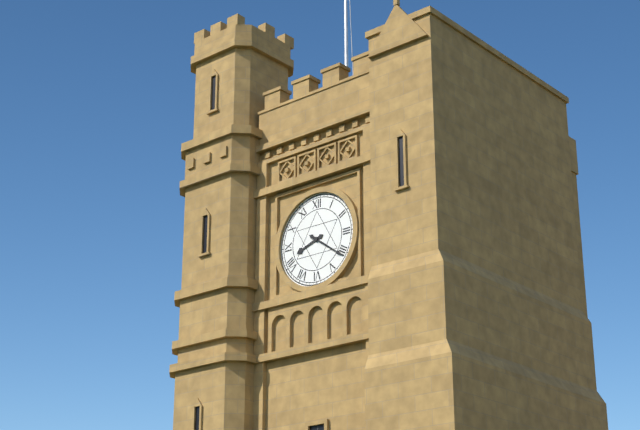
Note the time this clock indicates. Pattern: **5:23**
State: **8:21**
